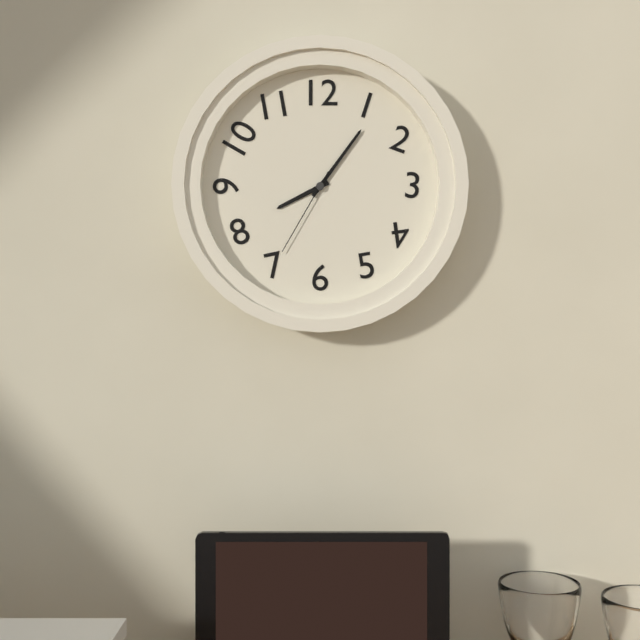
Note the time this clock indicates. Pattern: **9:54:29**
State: **8:06:35**
